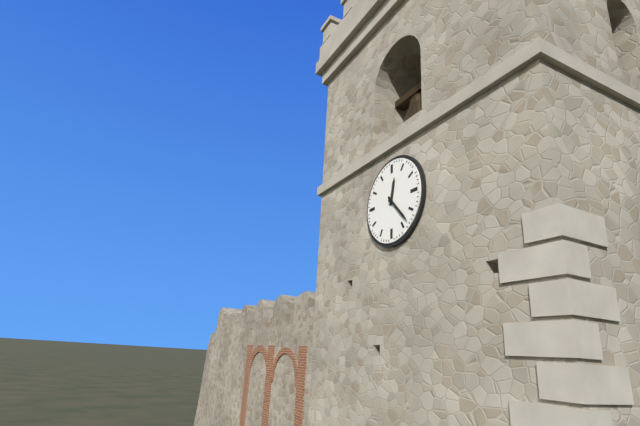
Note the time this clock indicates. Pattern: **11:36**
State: **12:23**
